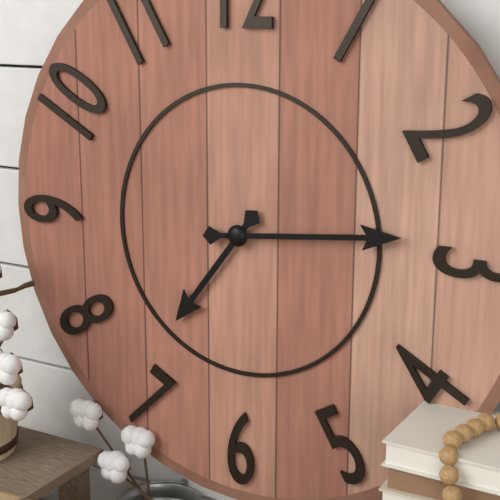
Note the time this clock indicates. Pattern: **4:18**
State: **7:14**
